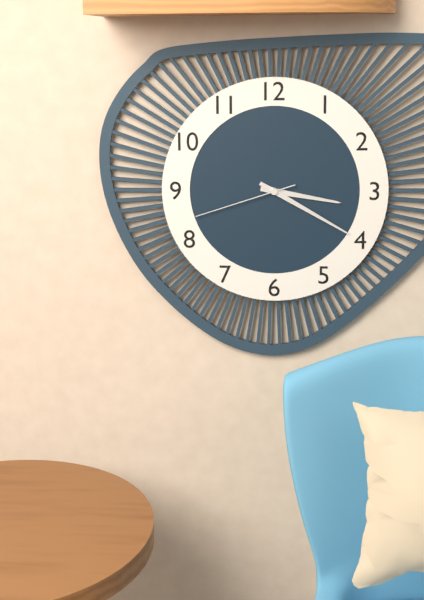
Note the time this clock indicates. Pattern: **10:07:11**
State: **3:20:42**
